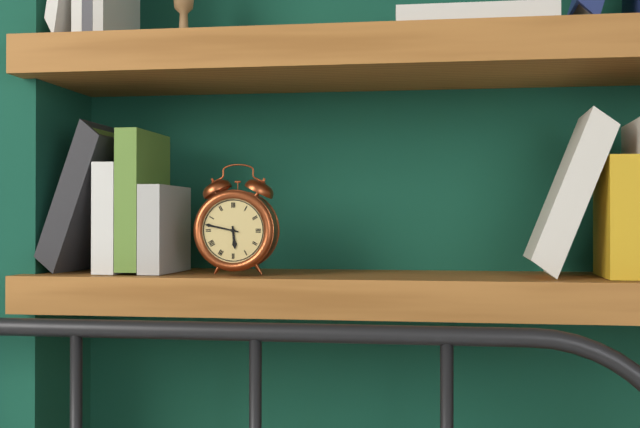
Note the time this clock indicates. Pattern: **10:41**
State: **5:47**
